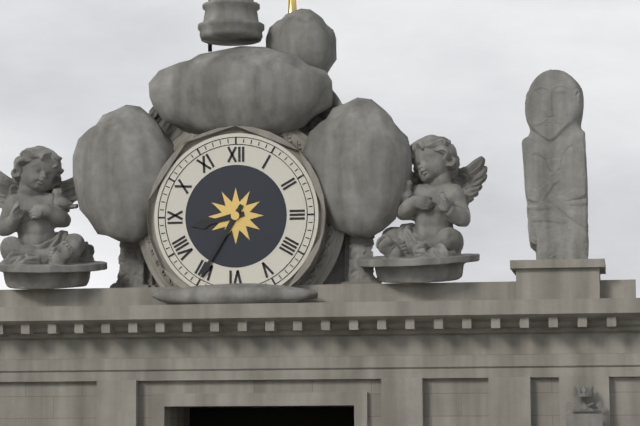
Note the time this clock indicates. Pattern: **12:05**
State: **8:35**
